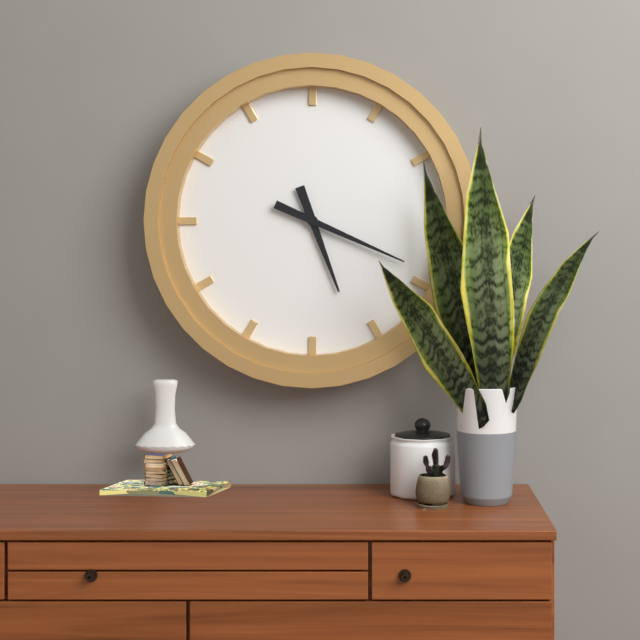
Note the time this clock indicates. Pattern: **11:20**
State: **5:19**
